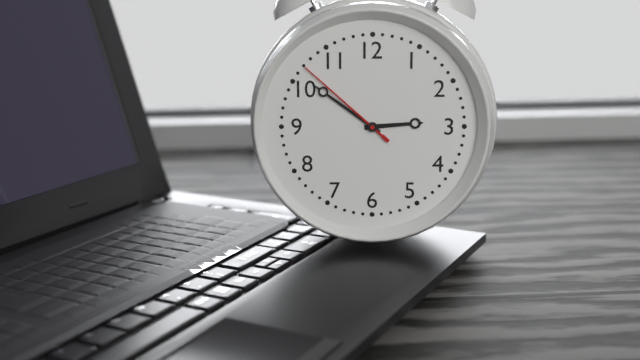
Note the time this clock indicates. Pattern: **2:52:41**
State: **2:51:52**
